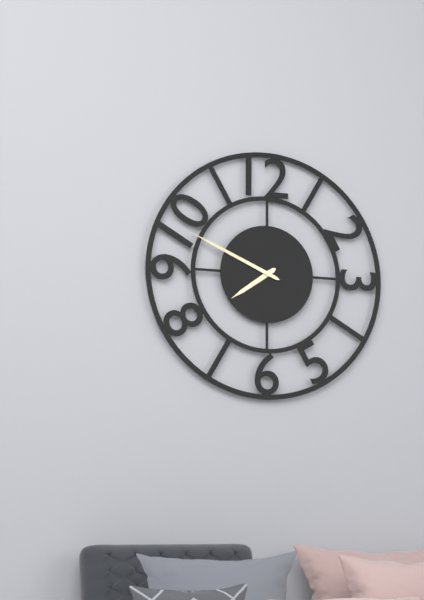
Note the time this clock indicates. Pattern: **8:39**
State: **7:49**
